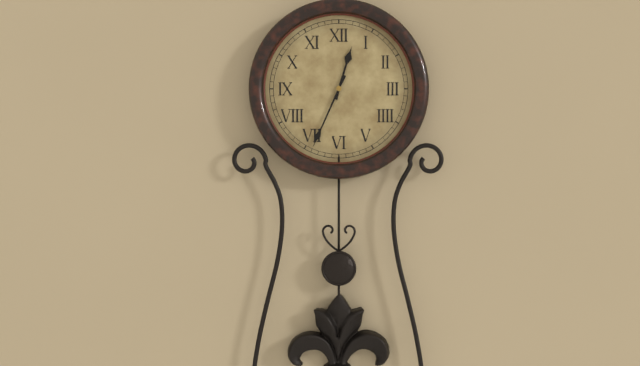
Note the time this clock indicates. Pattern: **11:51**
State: **12:34**
